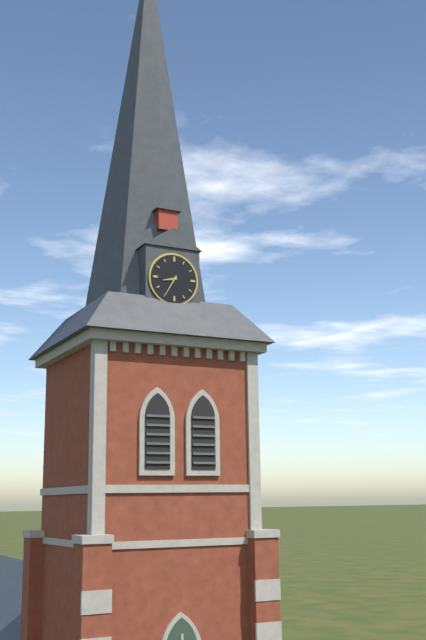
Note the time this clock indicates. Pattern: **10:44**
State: **8:35**
